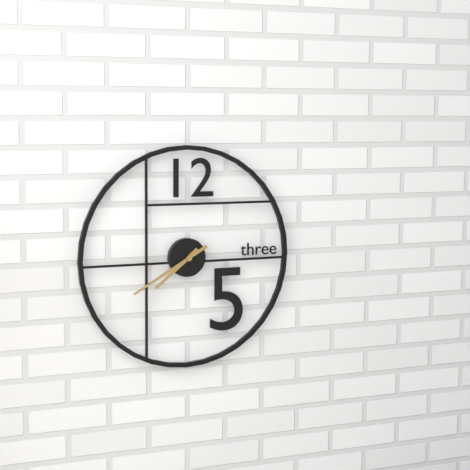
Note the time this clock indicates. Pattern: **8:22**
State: **7:40**
